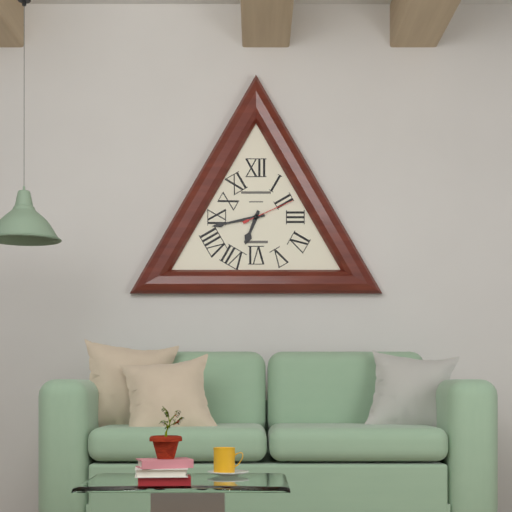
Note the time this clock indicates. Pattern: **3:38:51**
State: **6:43:11**
